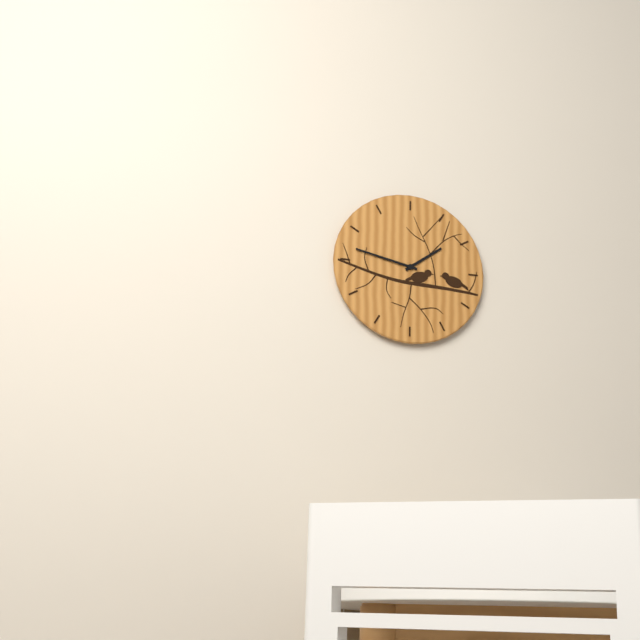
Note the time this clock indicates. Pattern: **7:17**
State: **1:47**
